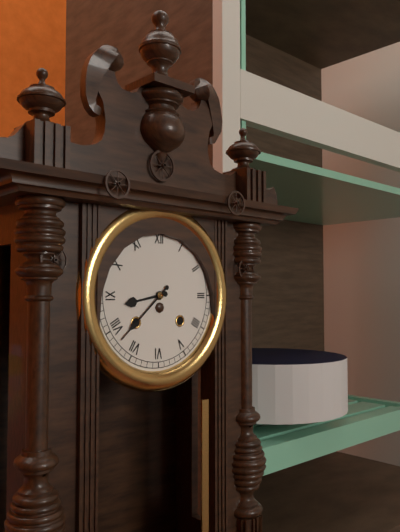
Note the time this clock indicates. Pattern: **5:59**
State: **8:38**
